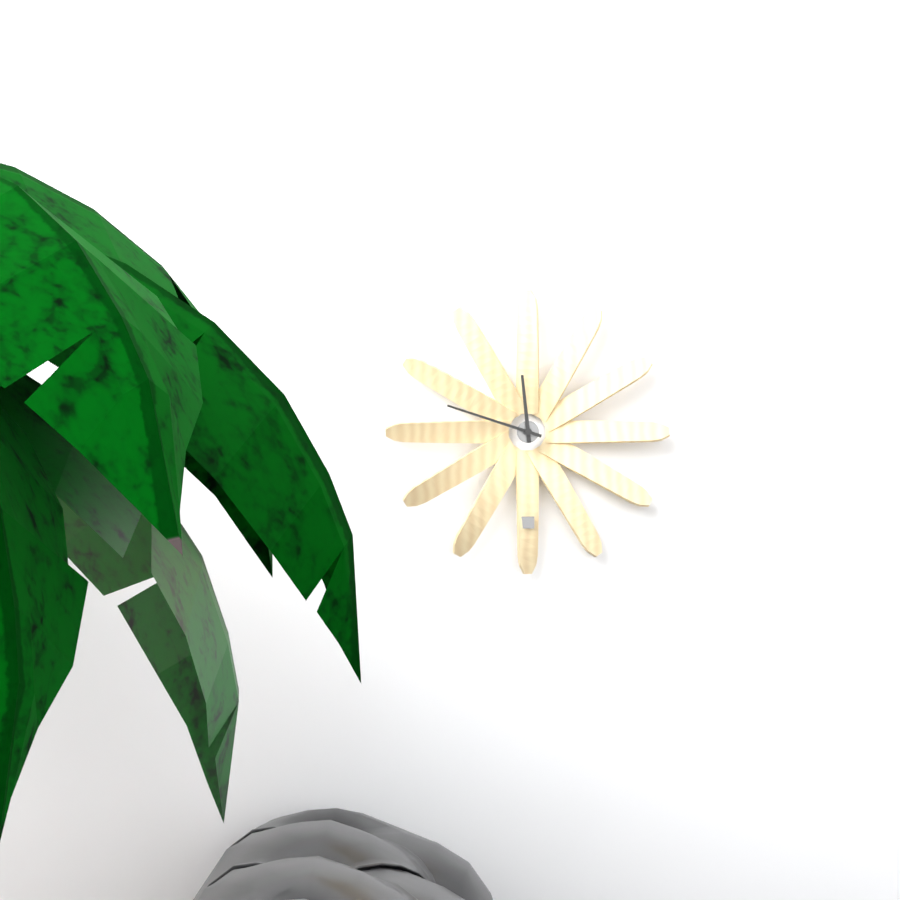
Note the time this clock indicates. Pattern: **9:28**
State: **11:48**
